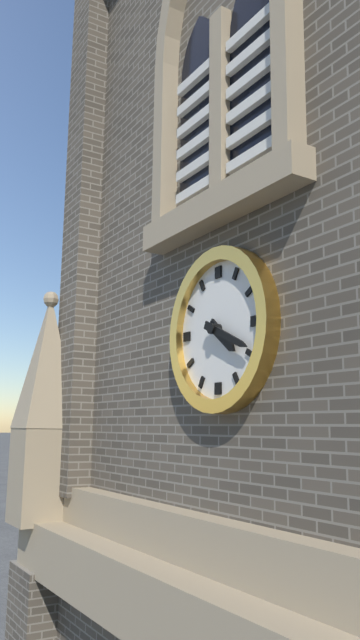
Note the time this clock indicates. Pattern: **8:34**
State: **4:19**
